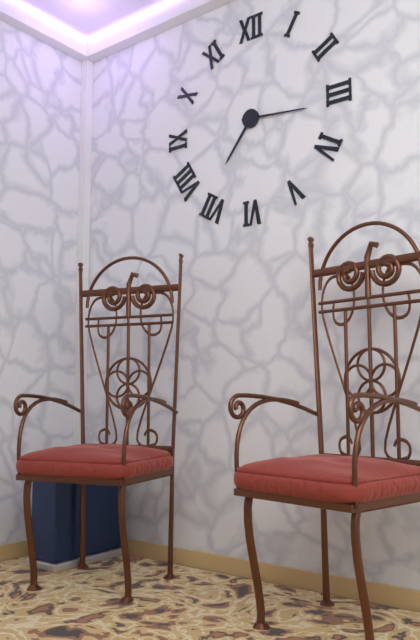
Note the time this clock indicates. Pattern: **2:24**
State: **7:16**
